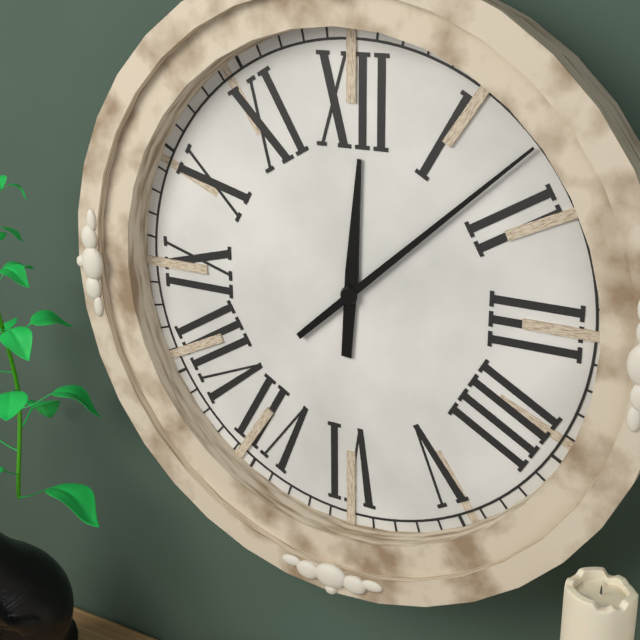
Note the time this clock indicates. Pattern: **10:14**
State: **12:08**
